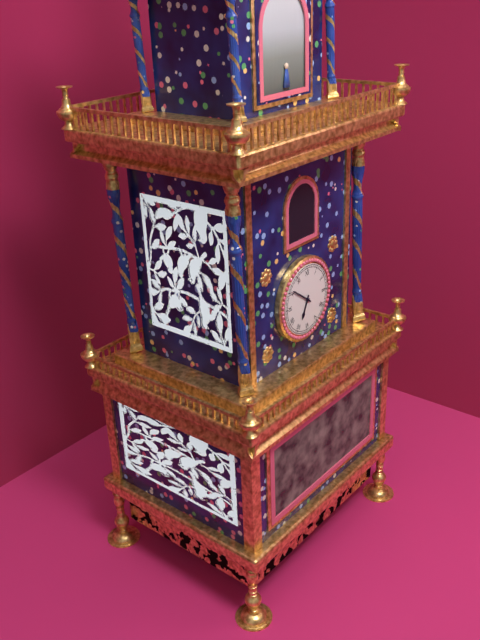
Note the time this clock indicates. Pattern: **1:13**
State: **6:51**
